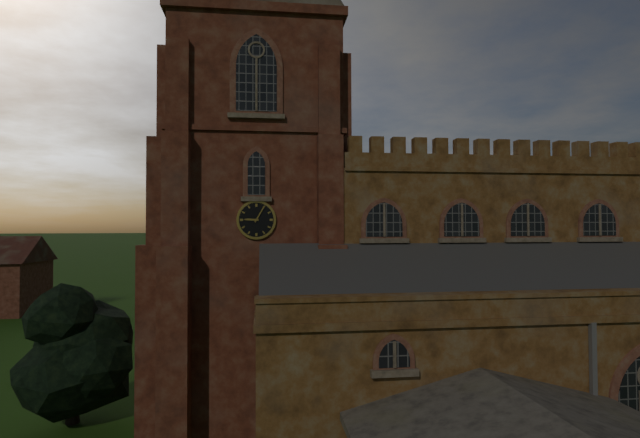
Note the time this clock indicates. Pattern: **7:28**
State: **9:05**
